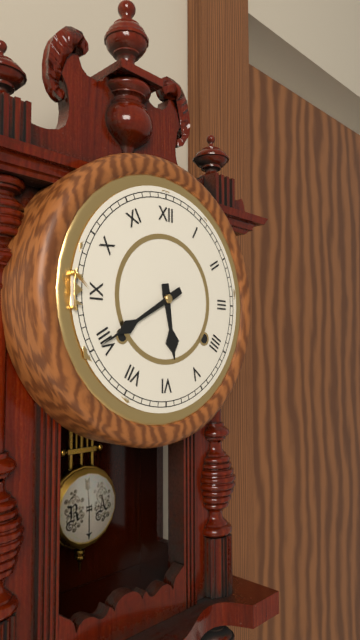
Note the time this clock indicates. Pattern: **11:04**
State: **5:40**
